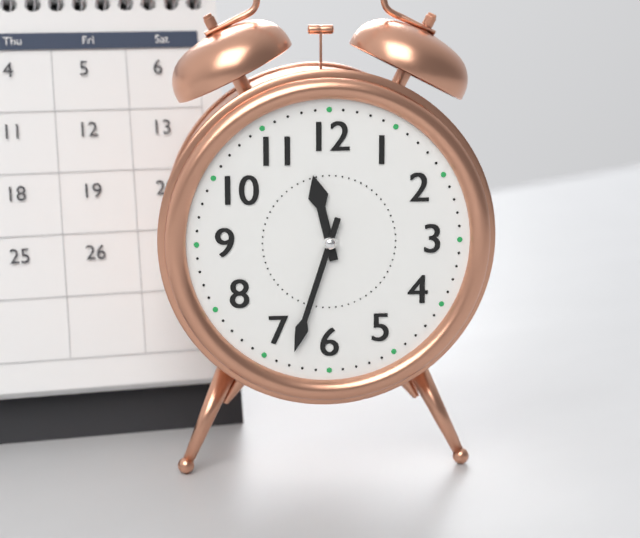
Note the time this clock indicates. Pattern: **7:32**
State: **11:33**
